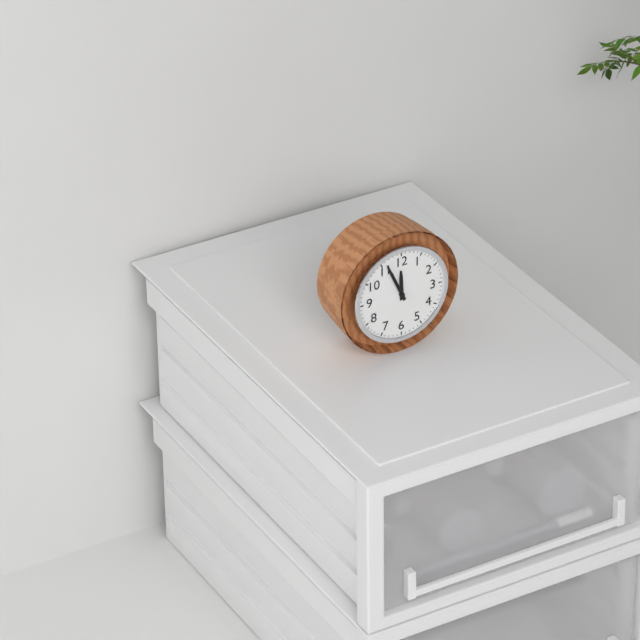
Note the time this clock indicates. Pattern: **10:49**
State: **11:56**
